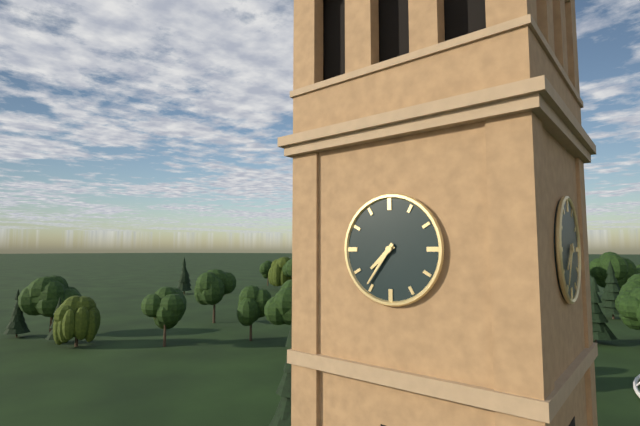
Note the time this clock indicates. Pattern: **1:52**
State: **7:36**
